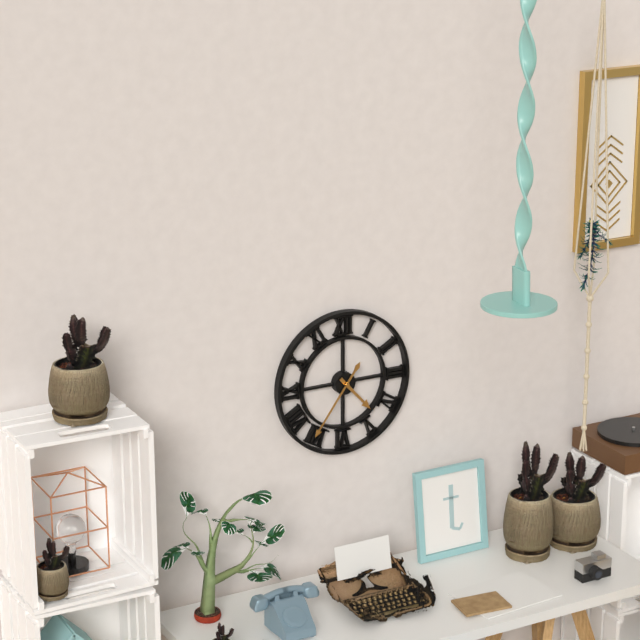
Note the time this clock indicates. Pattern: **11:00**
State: **4:36**
